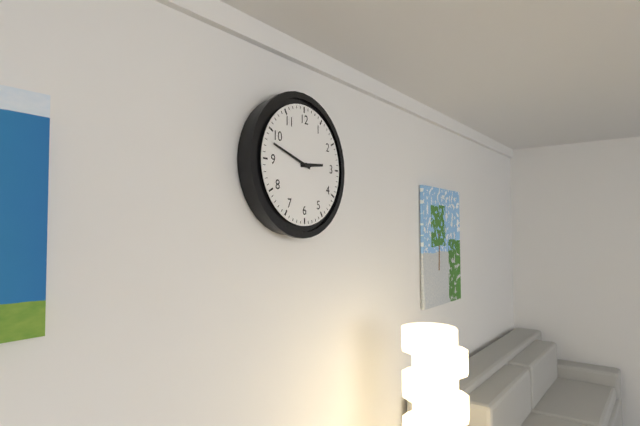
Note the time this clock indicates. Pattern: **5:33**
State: **2:48**
